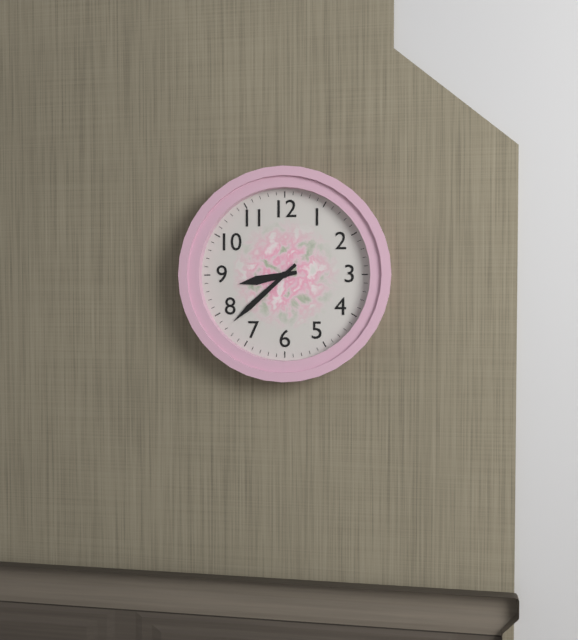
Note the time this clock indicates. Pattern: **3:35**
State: **8:38**
